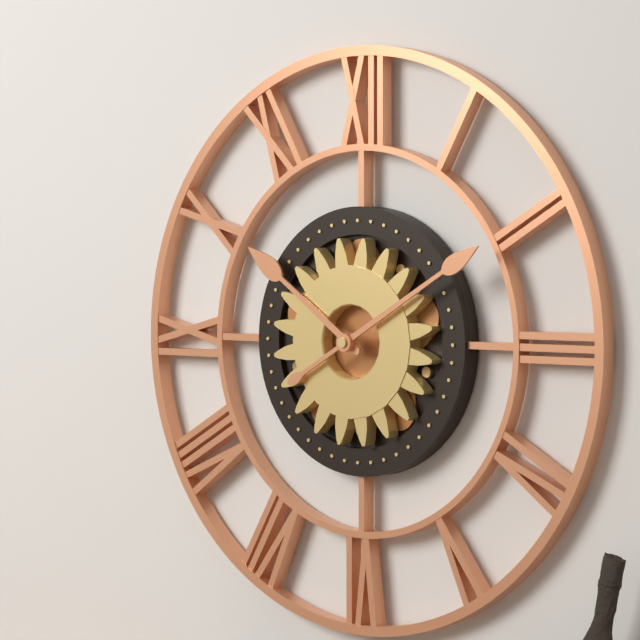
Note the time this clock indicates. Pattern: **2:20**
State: **10:10**
